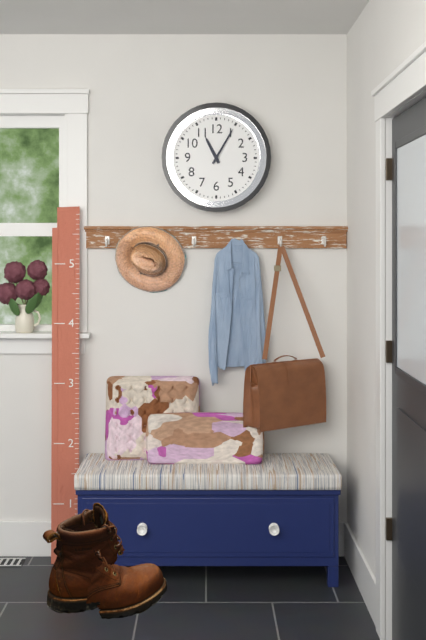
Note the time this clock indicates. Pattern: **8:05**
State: **11:05**
